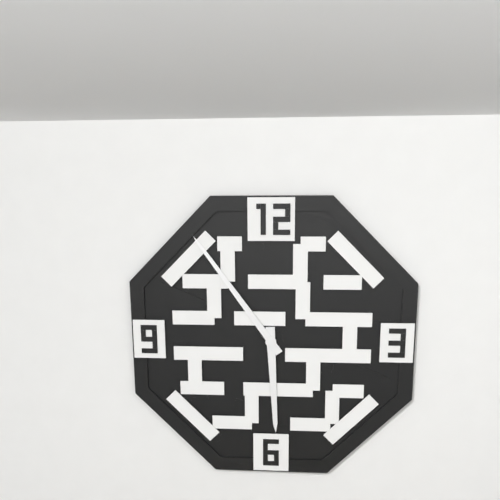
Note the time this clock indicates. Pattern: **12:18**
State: **5:54**
